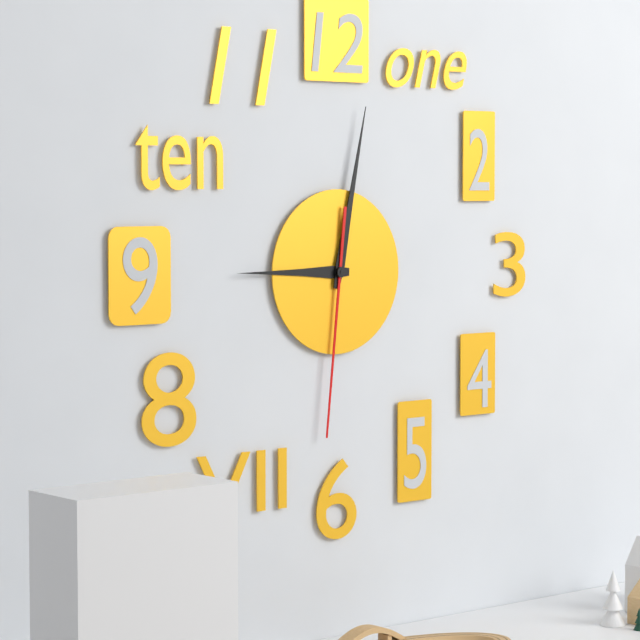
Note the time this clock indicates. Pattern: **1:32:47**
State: **9:02:31**
